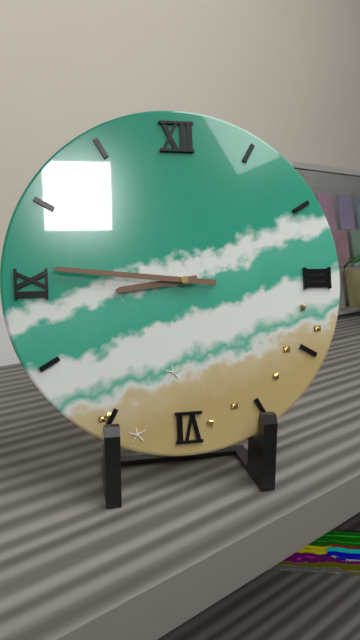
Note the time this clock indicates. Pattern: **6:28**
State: **8:46**
